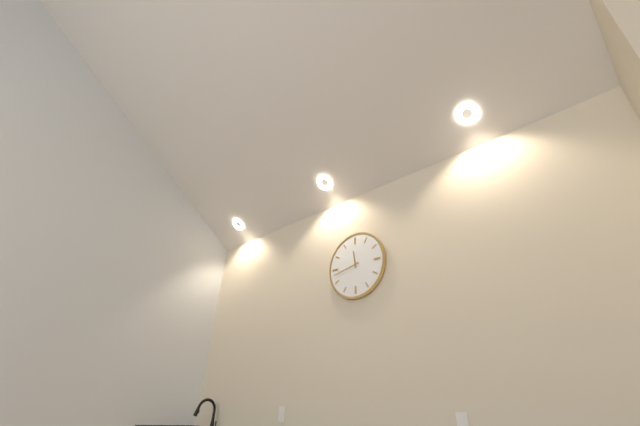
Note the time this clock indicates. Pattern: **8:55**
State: **11:43**
